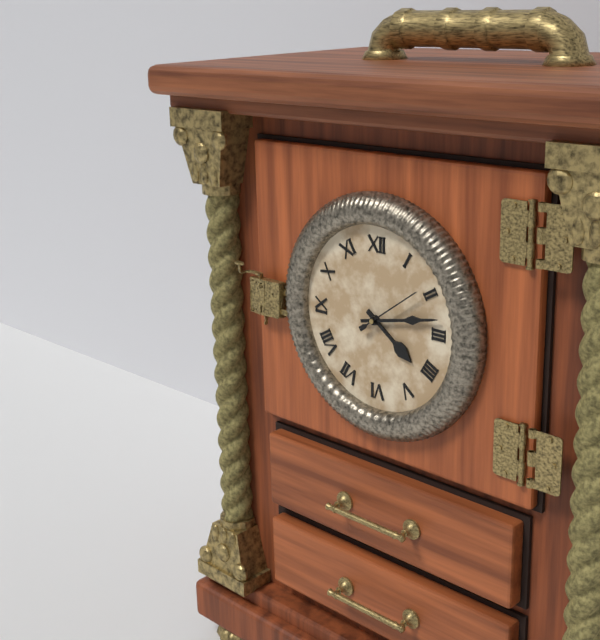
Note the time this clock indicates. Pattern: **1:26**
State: **4:13**
